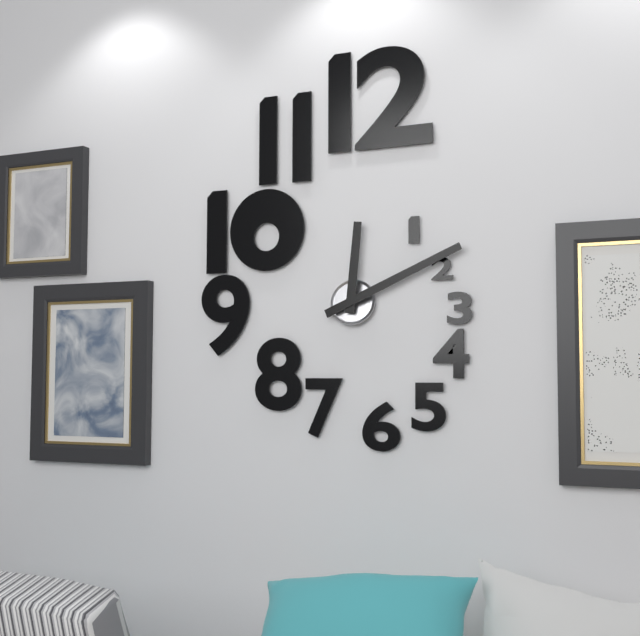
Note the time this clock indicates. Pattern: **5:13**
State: **12:11**
